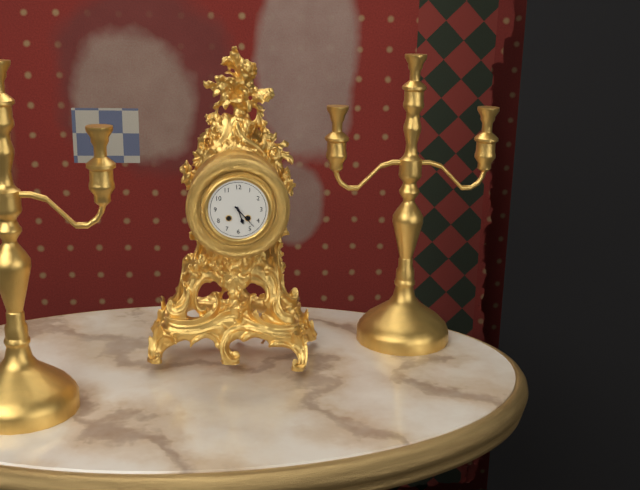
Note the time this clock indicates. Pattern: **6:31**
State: **5:23**
